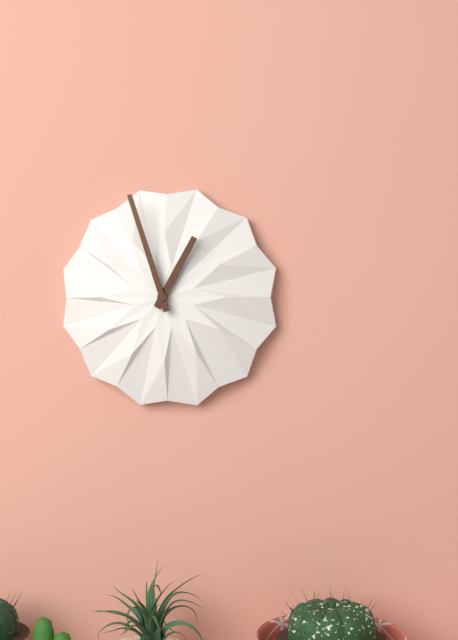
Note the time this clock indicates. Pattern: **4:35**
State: **12:57**
